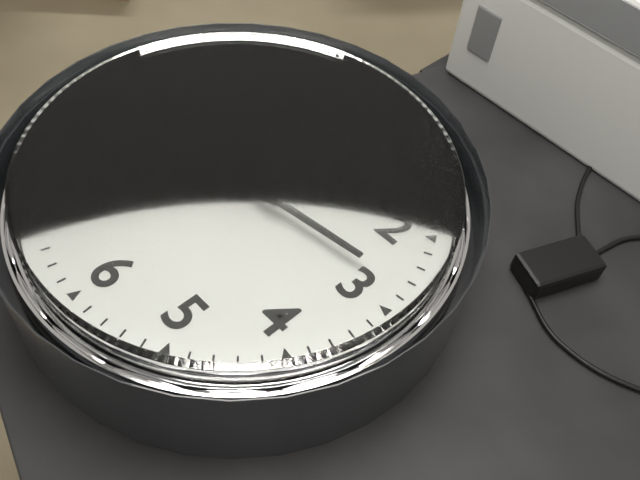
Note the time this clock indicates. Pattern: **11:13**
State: **2:45**
